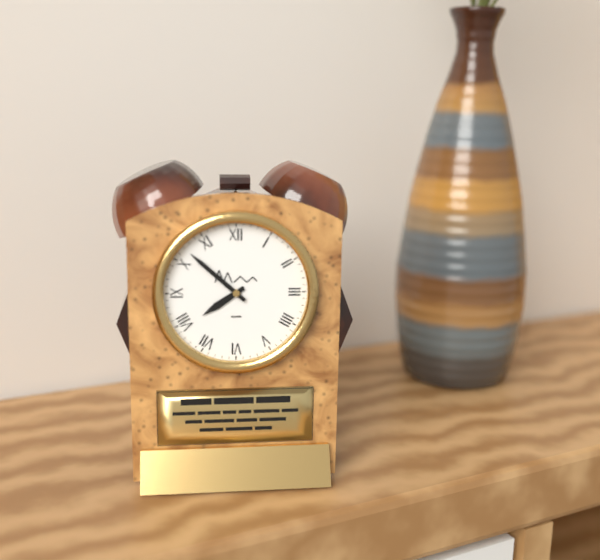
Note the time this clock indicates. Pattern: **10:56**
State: **7:52**
